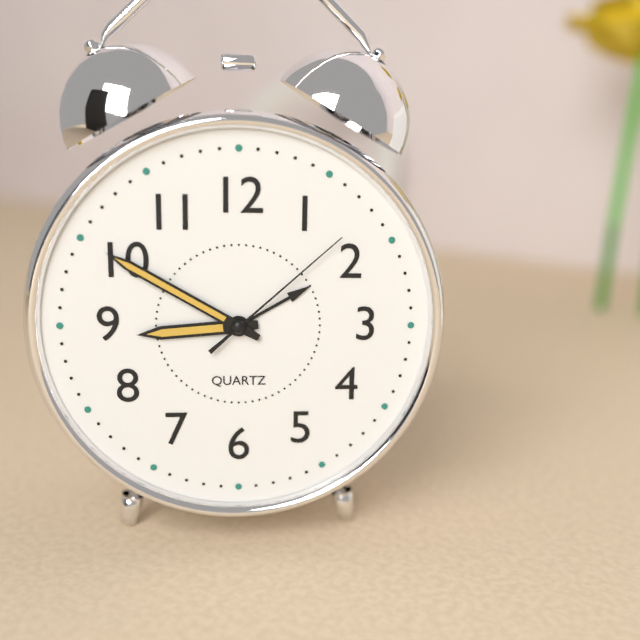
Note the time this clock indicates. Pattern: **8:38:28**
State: **8:50:08**
